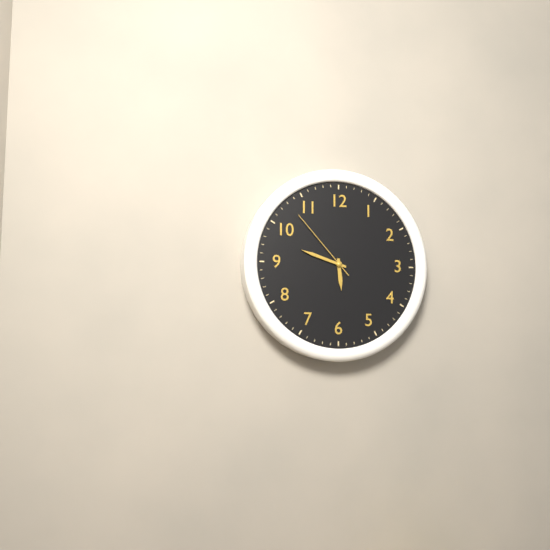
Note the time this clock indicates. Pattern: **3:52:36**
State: **5:48:53**
